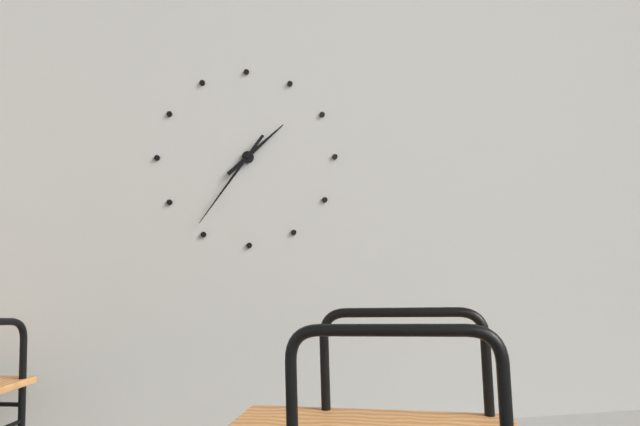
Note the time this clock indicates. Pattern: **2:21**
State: **1:36**
